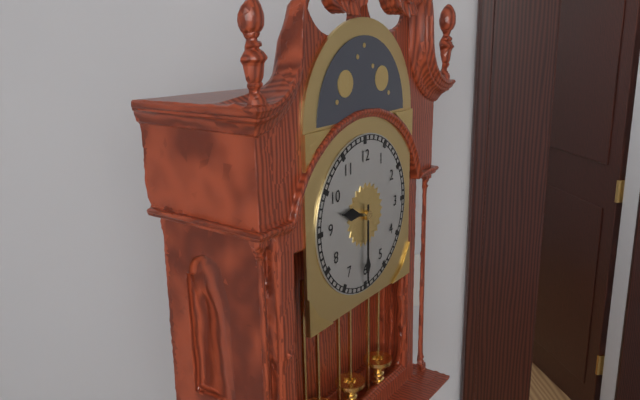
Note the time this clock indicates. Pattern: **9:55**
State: **9:30**
